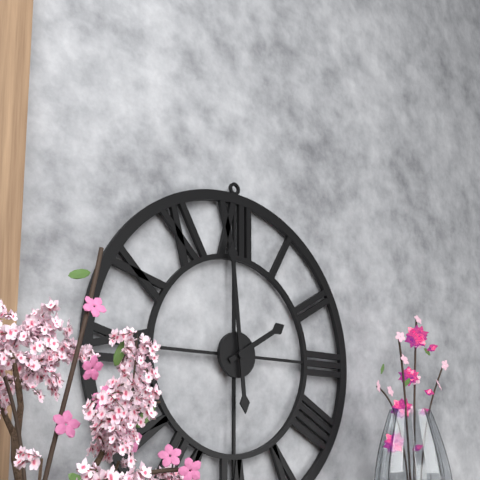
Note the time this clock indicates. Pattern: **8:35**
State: **1:59**
